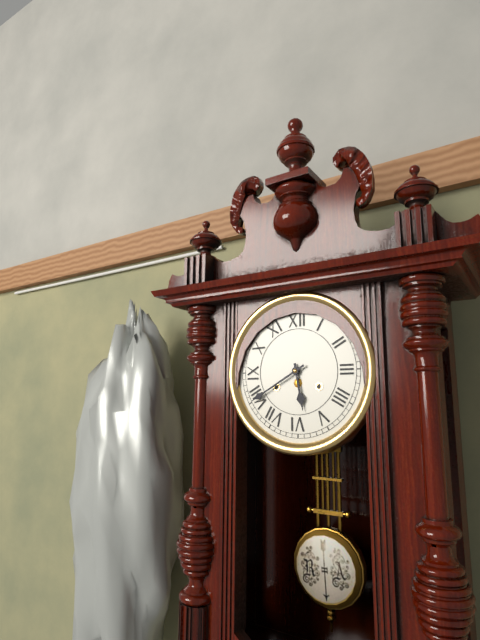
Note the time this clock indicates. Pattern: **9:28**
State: **5:40**
